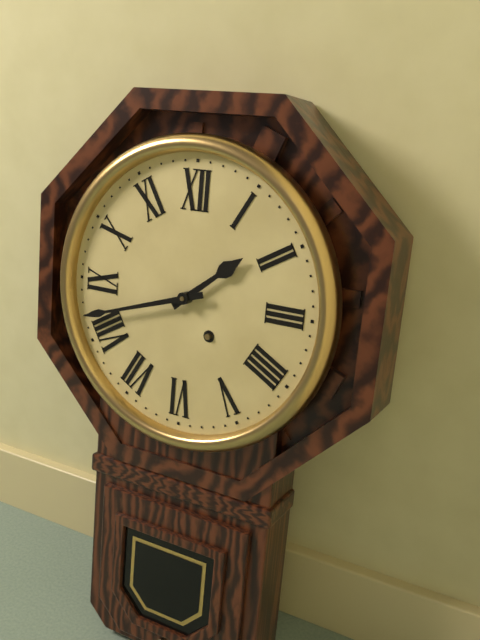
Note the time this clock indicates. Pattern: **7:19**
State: **1:42**
